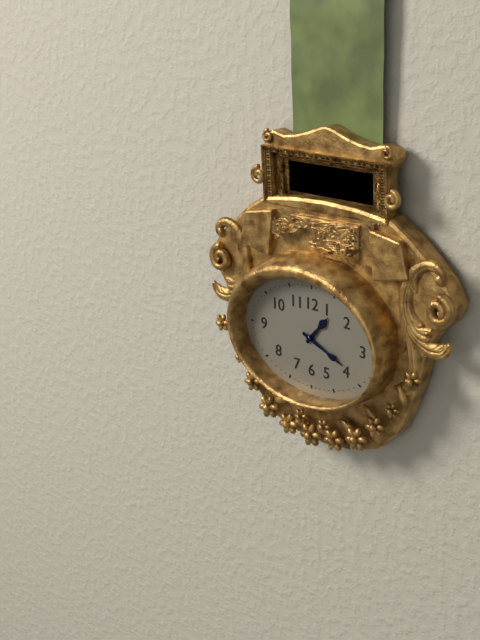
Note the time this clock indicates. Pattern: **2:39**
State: **1:19**
